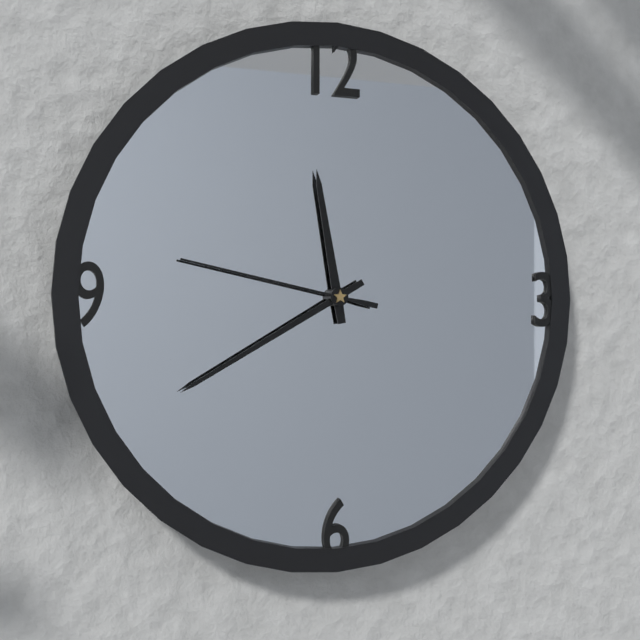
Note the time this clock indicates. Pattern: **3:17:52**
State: **11:40:47**
